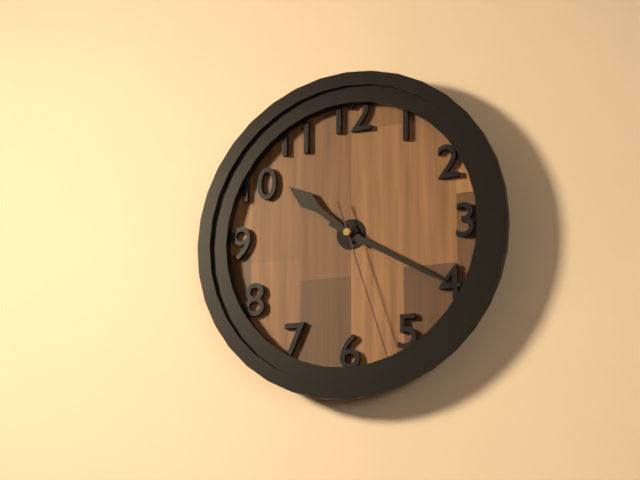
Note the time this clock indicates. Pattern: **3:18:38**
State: **10:20:27**
